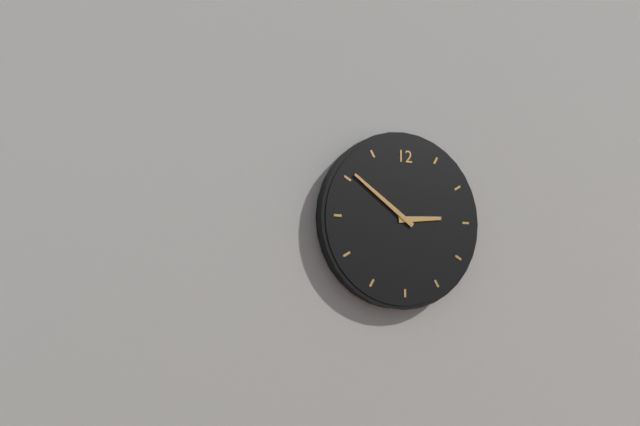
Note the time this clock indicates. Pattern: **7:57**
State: **2:51**
